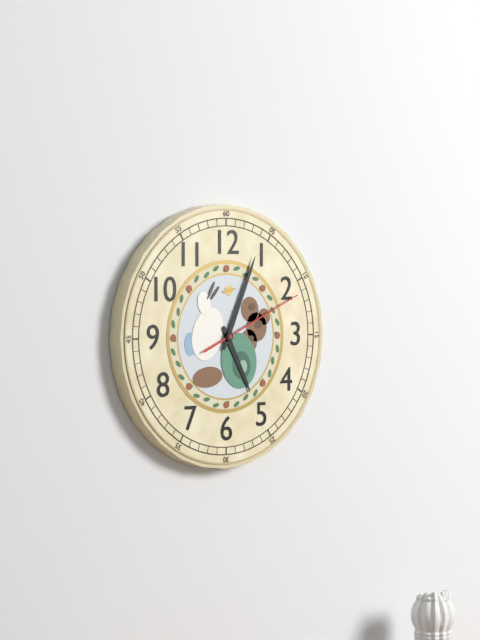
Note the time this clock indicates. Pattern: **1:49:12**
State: **5:04:11**
